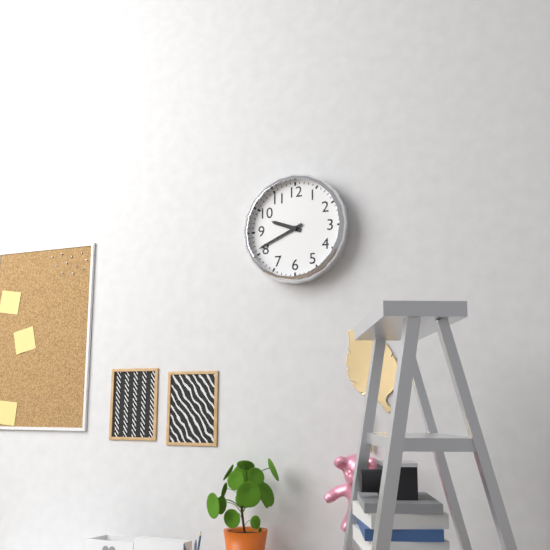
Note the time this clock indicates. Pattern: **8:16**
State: **9:41**
